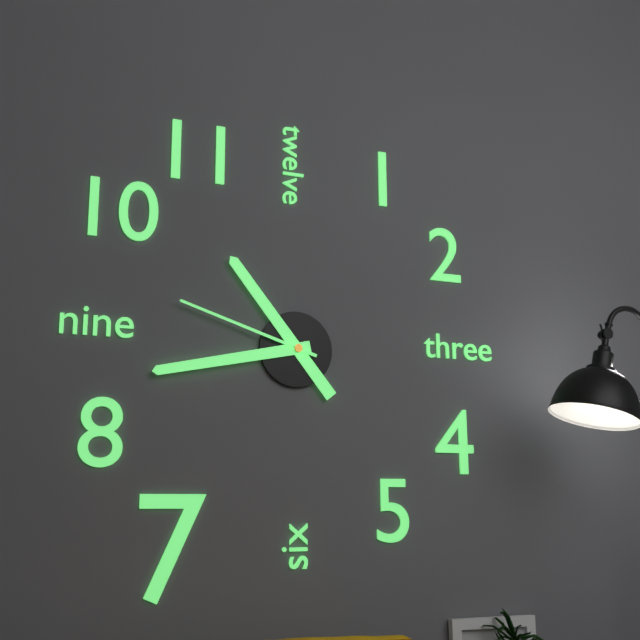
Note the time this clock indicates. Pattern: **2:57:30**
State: **10:43:48**
